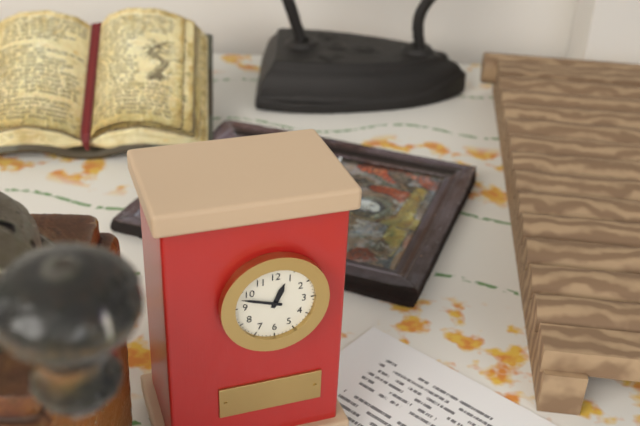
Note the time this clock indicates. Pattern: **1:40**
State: **12:48**
